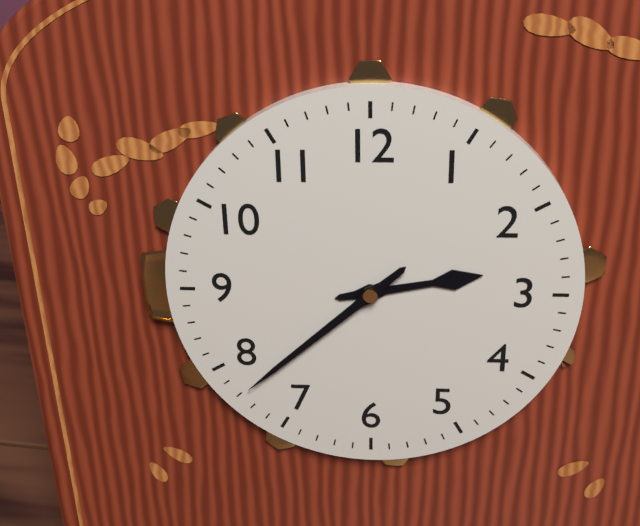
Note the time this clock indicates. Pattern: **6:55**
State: **2:38**
